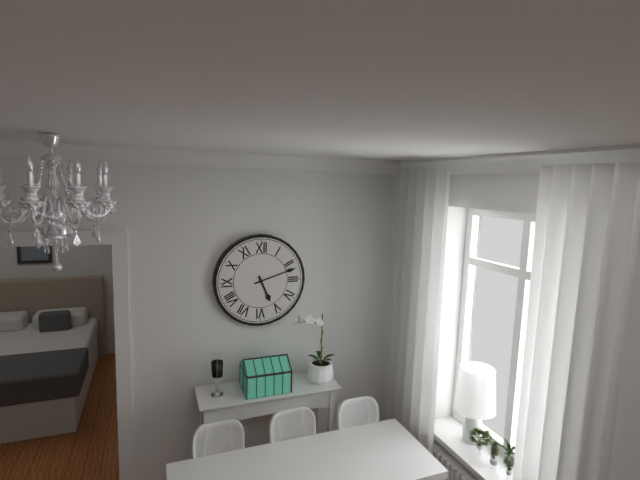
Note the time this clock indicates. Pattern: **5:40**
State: **5:12**
